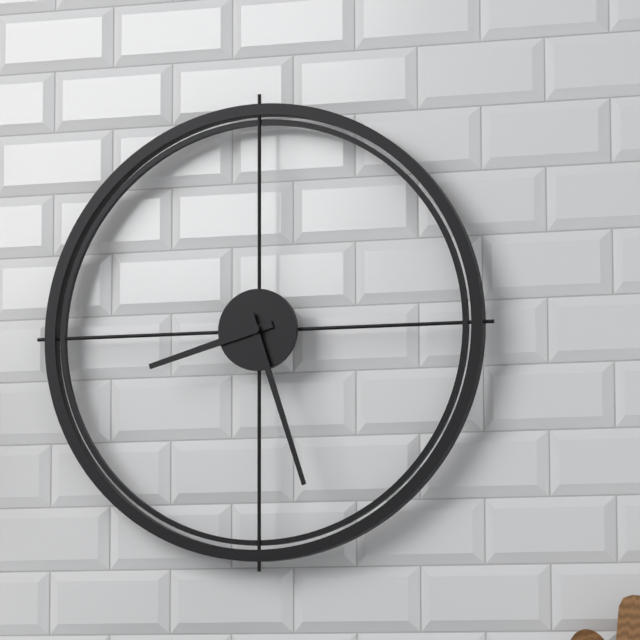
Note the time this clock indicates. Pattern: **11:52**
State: **8:27**
